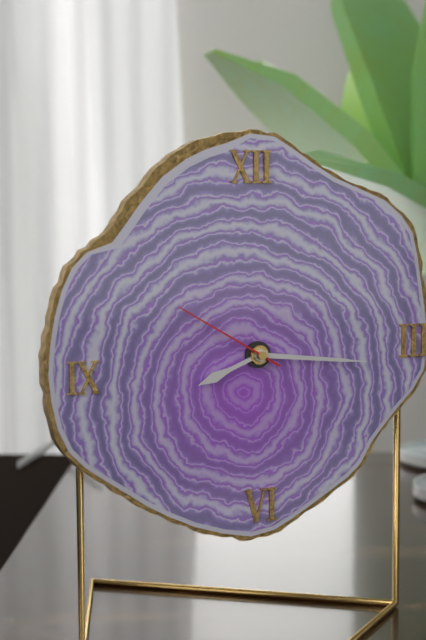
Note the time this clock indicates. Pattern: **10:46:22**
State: **8:16:50**
